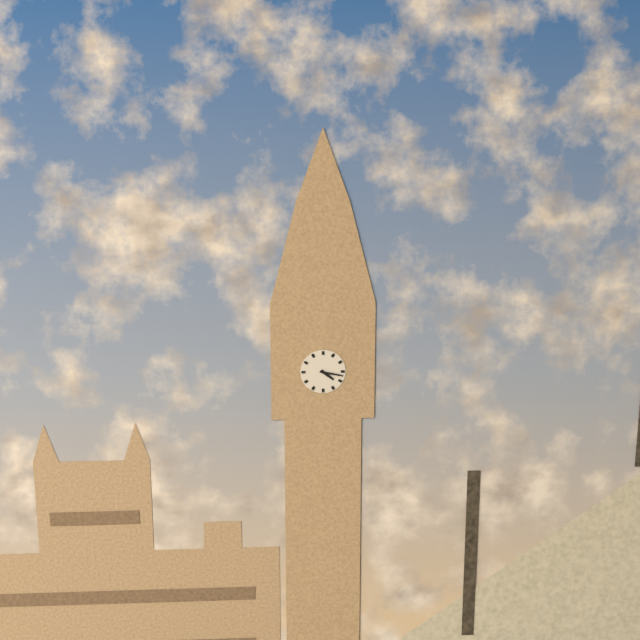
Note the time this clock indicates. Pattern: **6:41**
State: **4:17**
